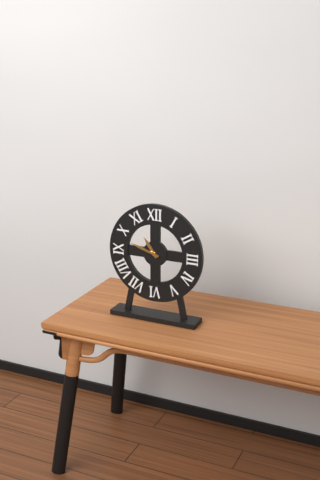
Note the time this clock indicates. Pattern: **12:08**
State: **10:48**
